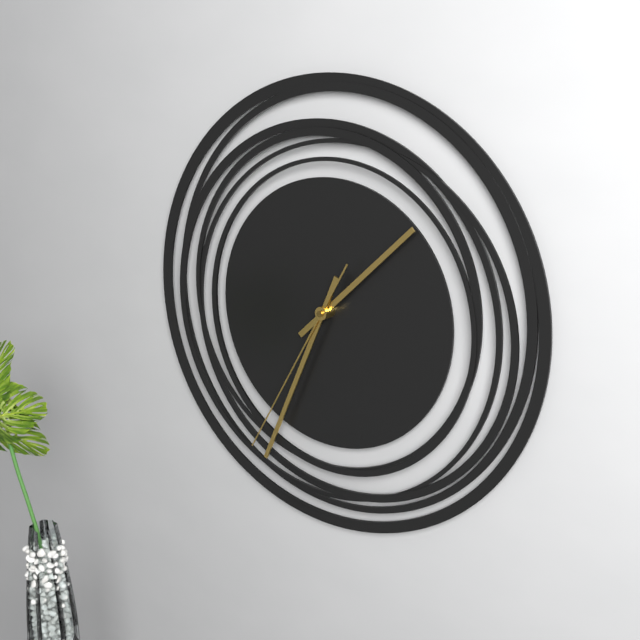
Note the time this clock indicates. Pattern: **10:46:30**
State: **1:34:35**
